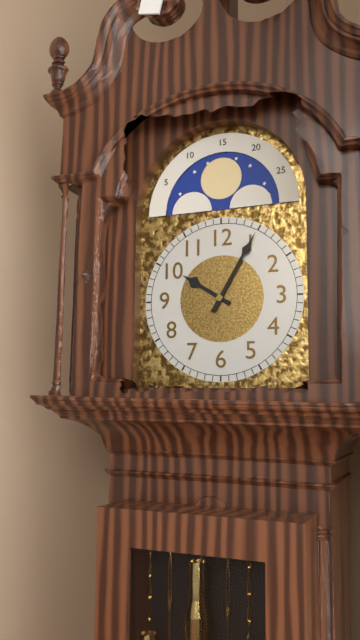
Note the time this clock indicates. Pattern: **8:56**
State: **10:05**
